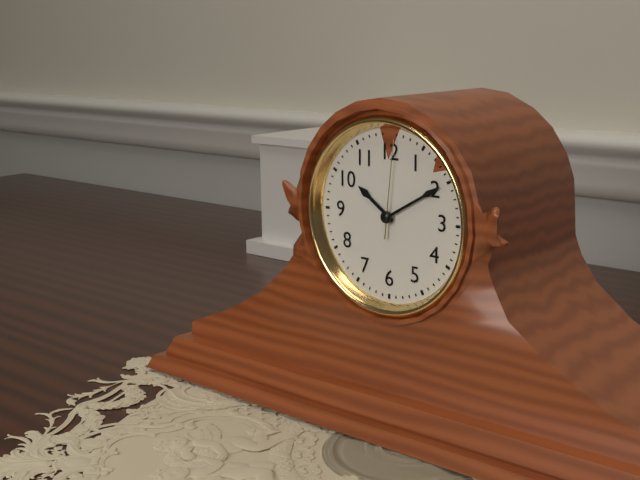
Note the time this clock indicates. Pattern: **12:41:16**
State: **10:10:01**
